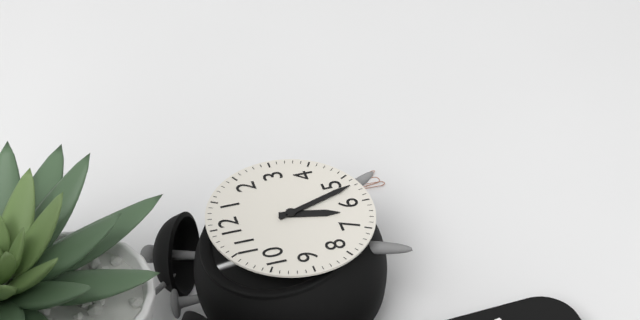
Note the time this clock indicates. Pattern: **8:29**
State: **6:27**
